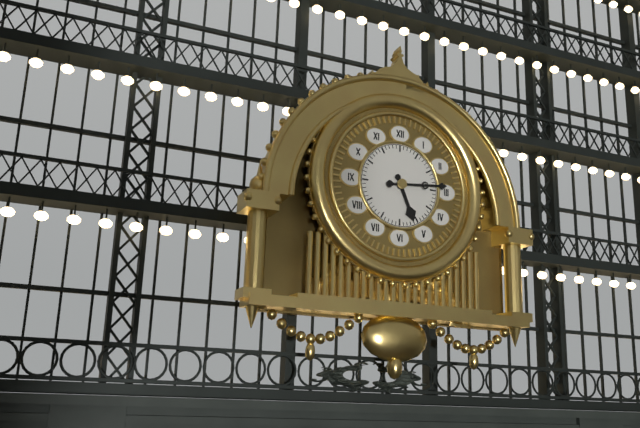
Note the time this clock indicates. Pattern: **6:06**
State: **5:14**
